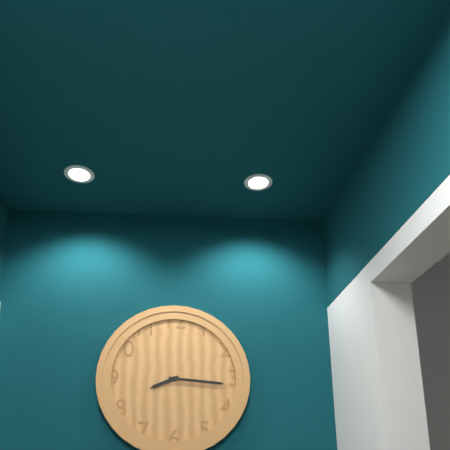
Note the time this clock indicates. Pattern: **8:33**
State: **8:16**
